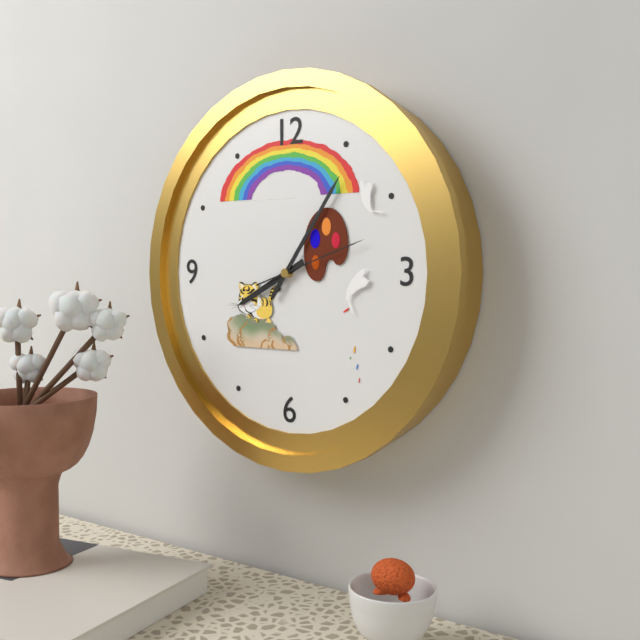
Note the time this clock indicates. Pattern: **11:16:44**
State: **8:06:12**
